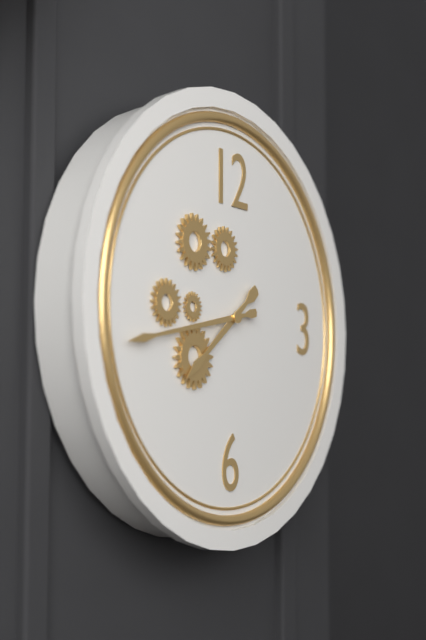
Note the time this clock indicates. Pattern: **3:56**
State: **7:43**
